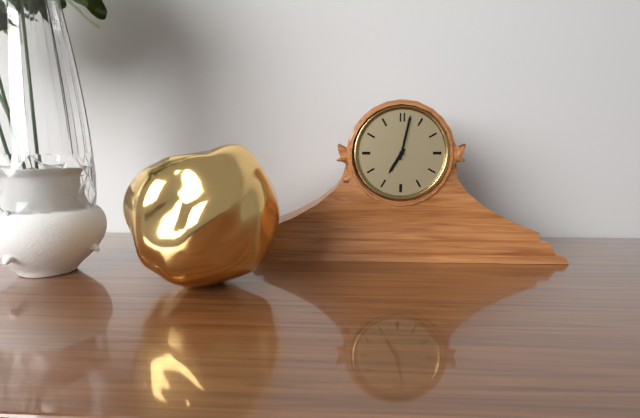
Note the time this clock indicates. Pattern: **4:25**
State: **7:02**
